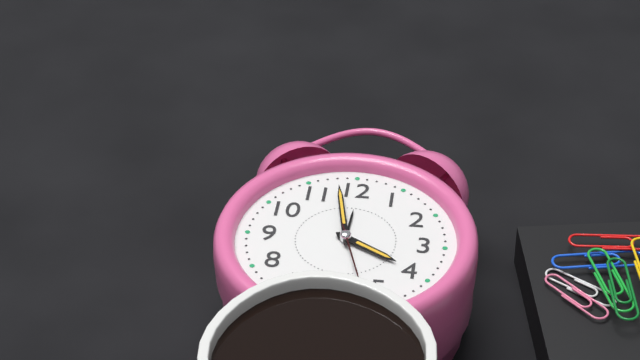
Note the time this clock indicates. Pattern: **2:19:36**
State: **3:58:27**
